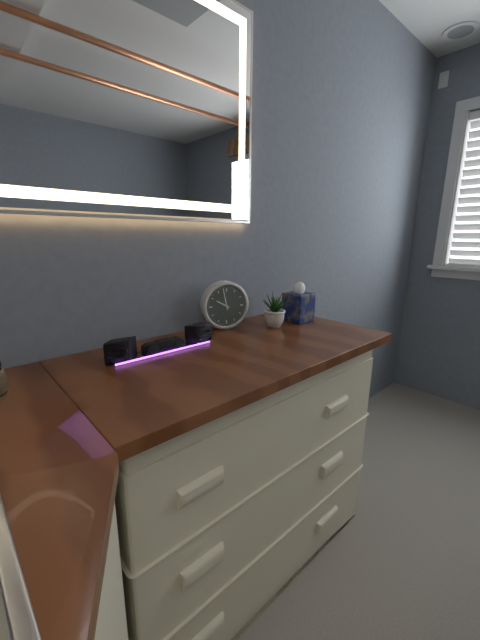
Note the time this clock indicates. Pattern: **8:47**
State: **9:58**
